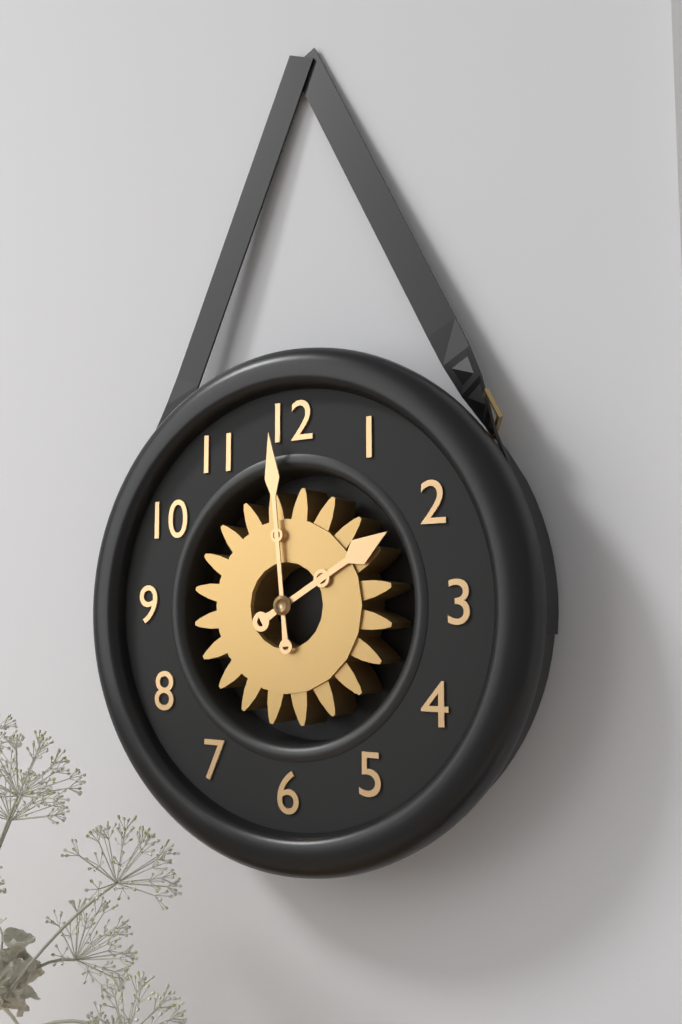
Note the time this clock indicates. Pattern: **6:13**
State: **1:59**
